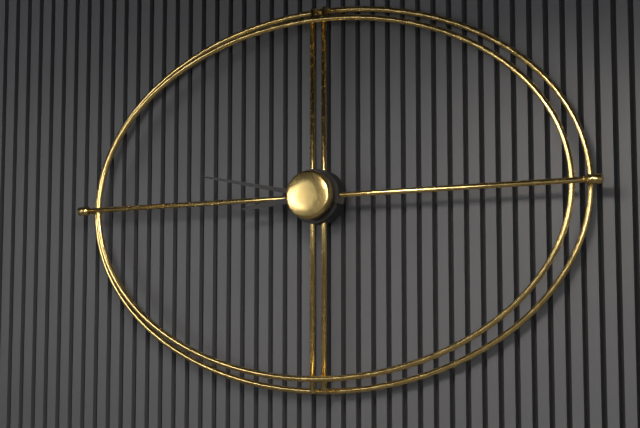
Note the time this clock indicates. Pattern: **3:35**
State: **8:47**
